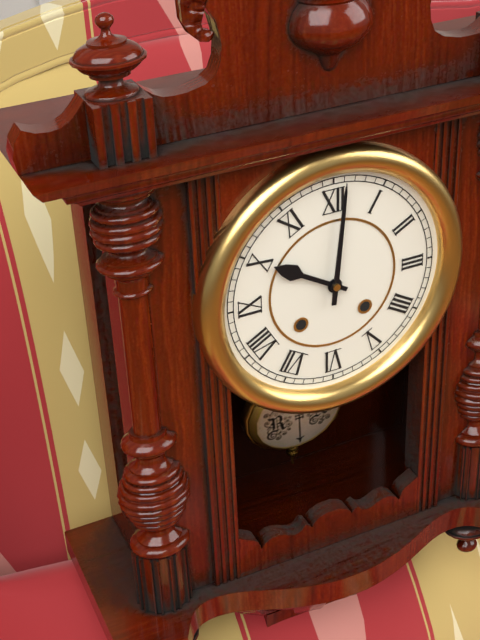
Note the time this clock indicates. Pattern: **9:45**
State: **10:01**
